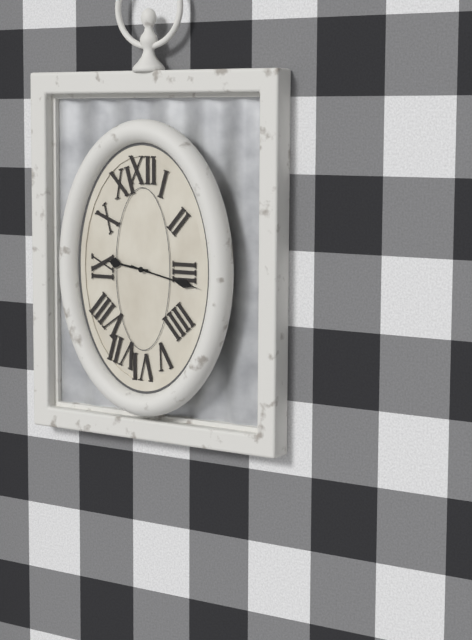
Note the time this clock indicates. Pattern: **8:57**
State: **9:17**
